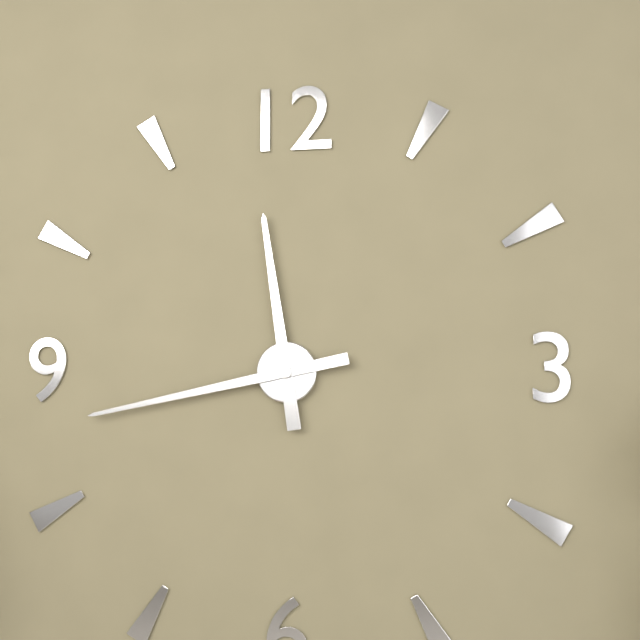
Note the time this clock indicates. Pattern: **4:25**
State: **11:43**
